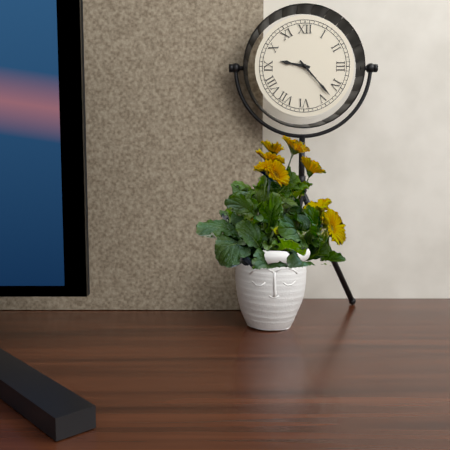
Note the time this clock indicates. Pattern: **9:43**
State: **9:23**
